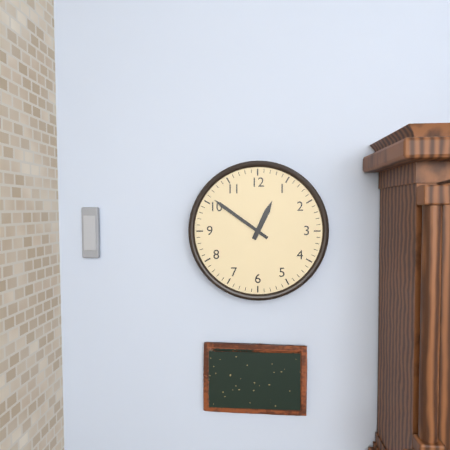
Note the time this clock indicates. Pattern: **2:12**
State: **12:51**
